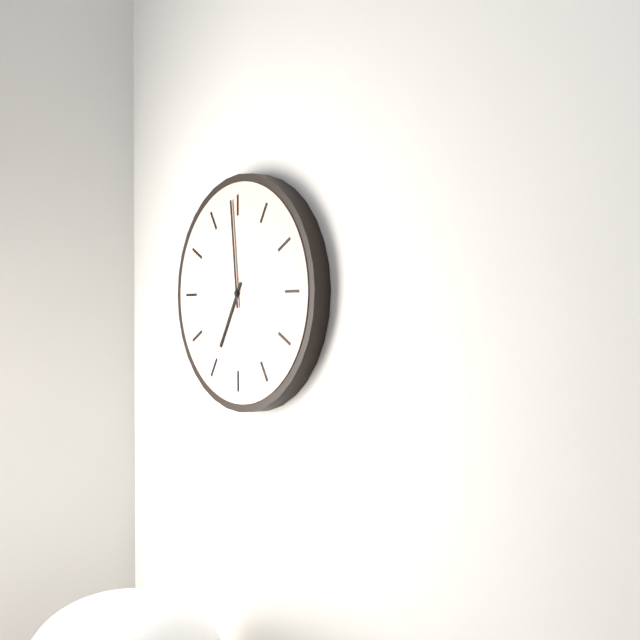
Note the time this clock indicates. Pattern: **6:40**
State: **6:59**
